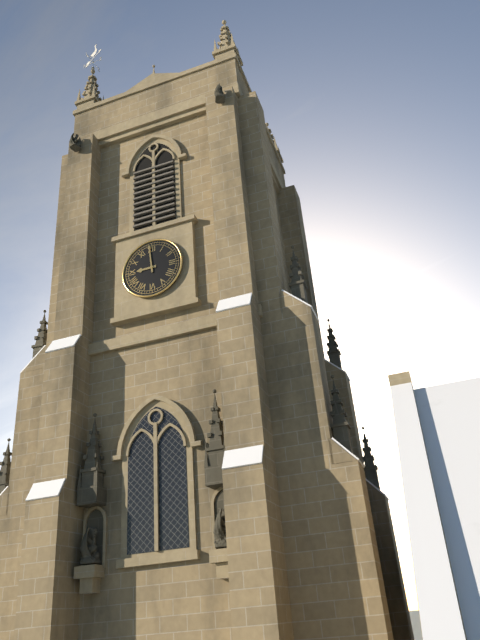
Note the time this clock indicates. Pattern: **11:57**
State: **8:59**
